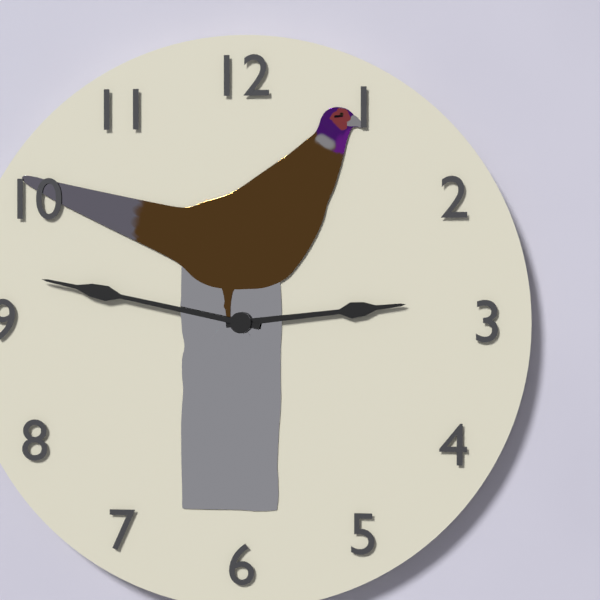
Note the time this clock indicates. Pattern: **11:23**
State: **2:47**
